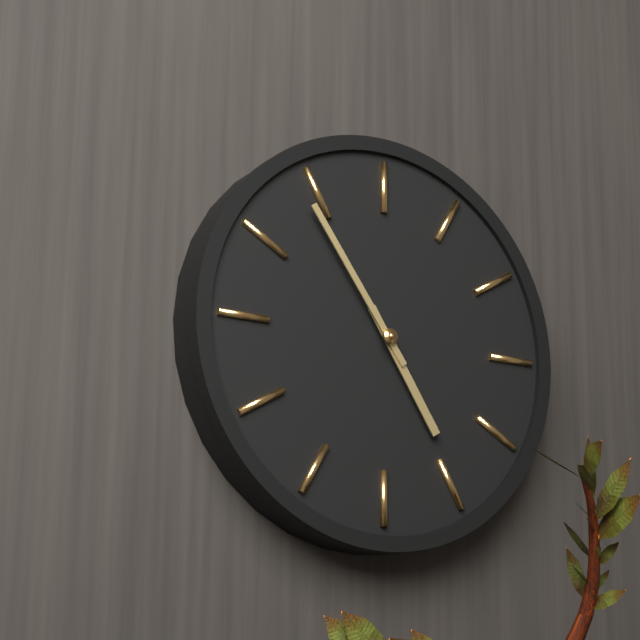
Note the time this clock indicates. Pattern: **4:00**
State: **4:54**
